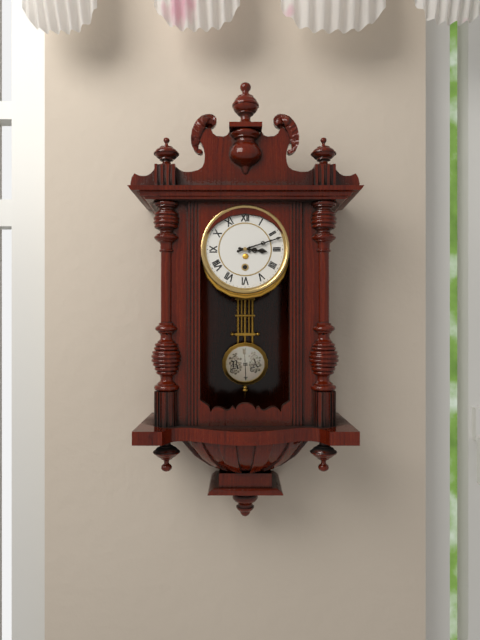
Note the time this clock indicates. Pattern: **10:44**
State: **3:12**
